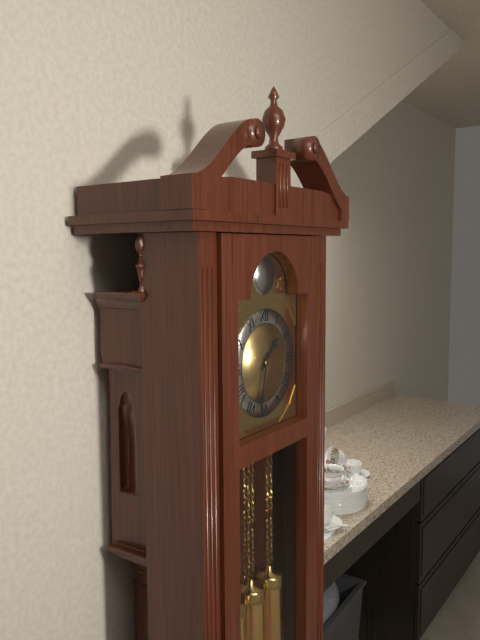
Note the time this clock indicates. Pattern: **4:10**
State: **1:32**
